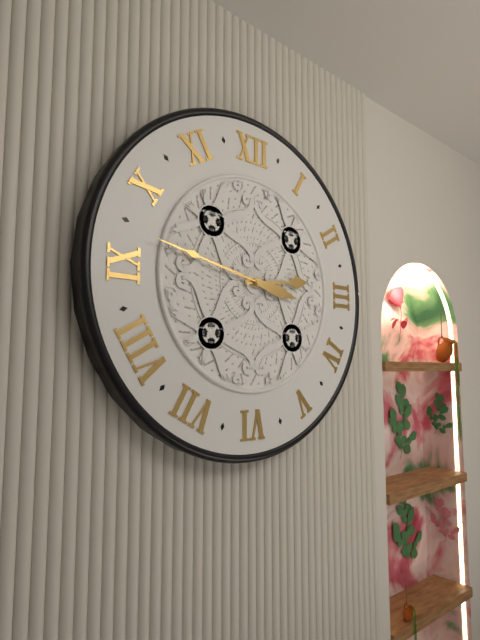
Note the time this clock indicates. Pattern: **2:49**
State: **2:47**
